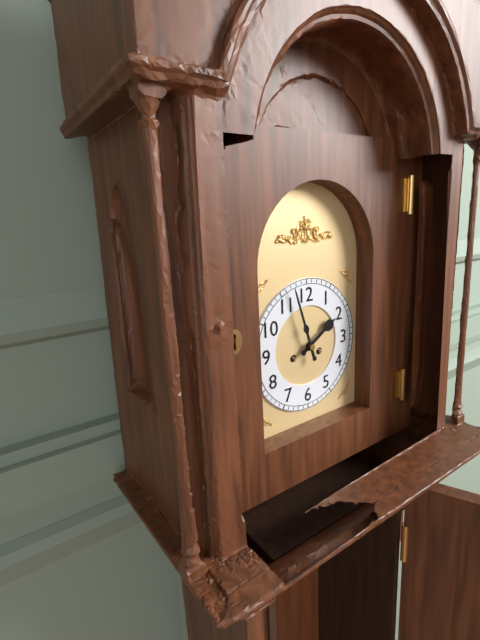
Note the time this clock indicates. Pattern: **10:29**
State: **1:57**
